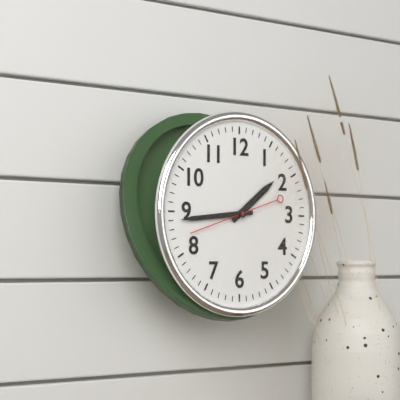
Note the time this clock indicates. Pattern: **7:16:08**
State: **1:44:42**
